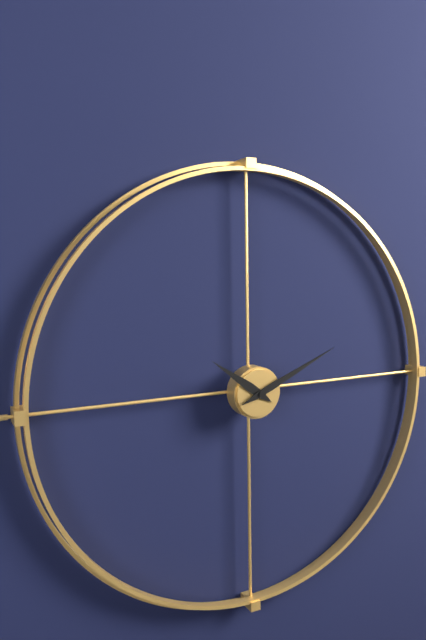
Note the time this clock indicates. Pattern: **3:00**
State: **10:11**
